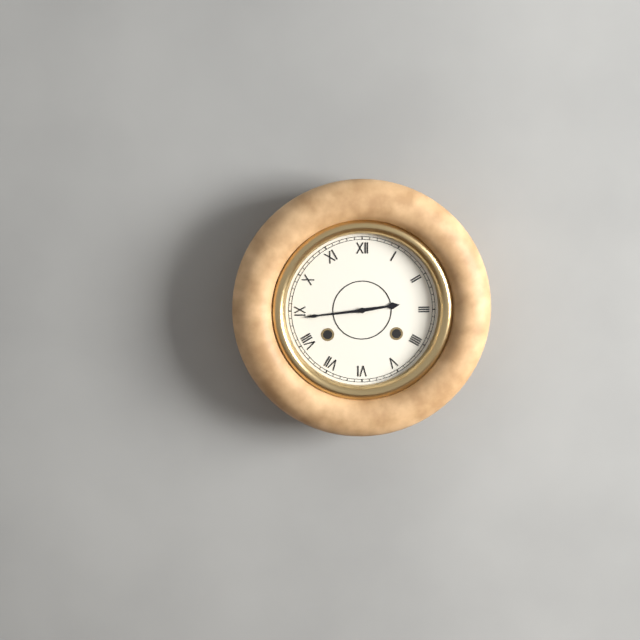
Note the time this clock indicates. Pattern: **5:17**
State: **2:44**
